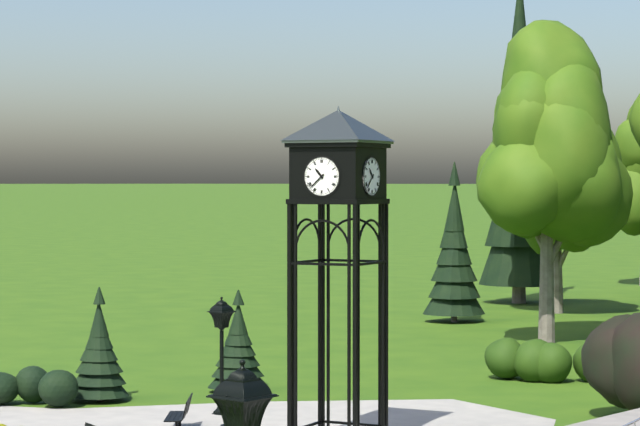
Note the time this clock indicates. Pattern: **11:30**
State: **10:38**
